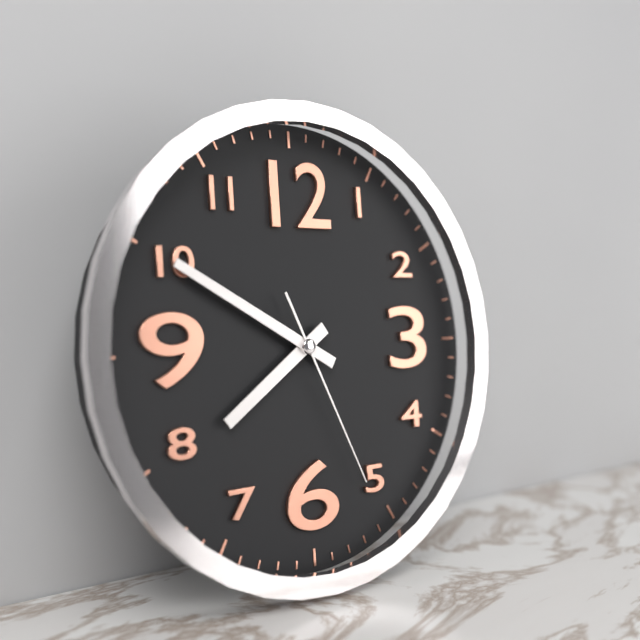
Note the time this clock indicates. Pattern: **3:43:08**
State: **7:50:26**
